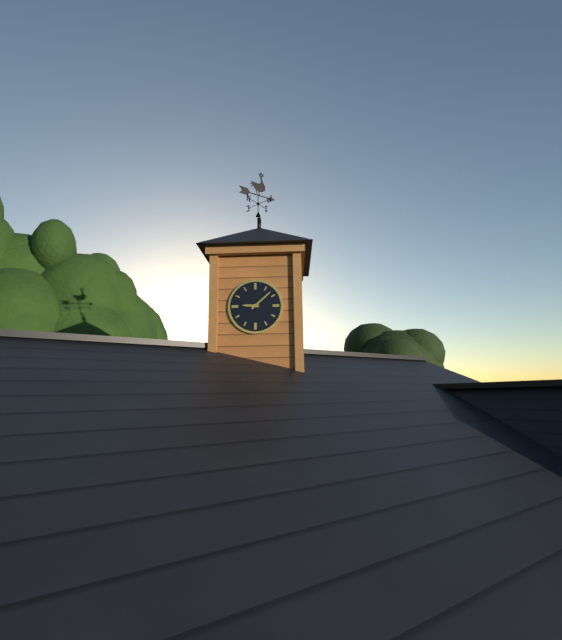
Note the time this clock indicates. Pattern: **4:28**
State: **9:08**
